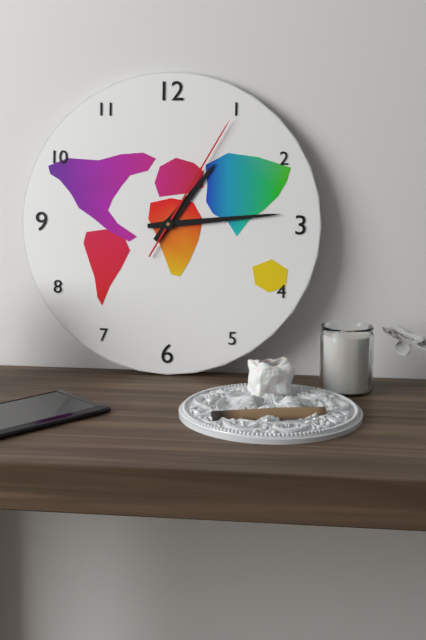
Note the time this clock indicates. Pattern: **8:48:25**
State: **1:14:05**
